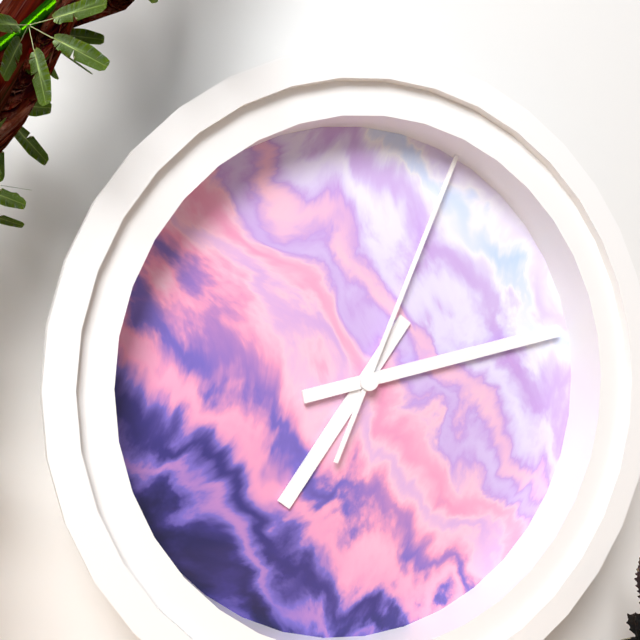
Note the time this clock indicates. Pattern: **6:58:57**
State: **7:13:04**
